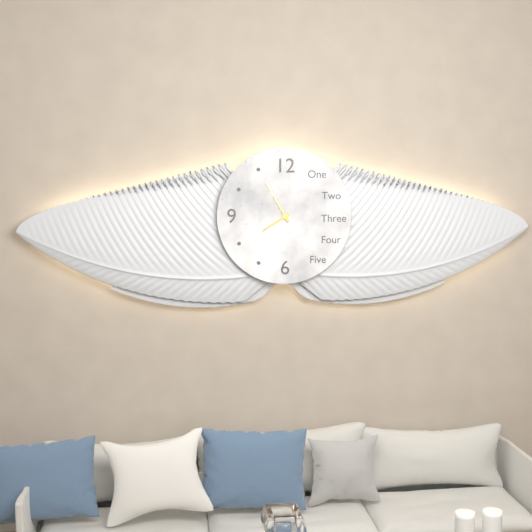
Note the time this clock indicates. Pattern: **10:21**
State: **7:55**
